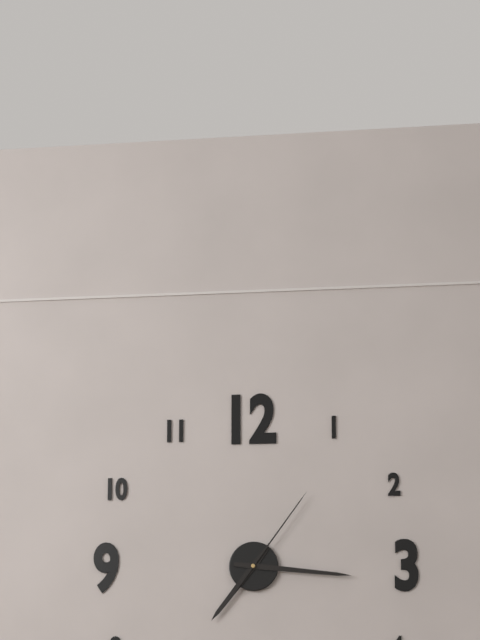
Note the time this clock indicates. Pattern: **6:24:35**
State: **7:16:06**
